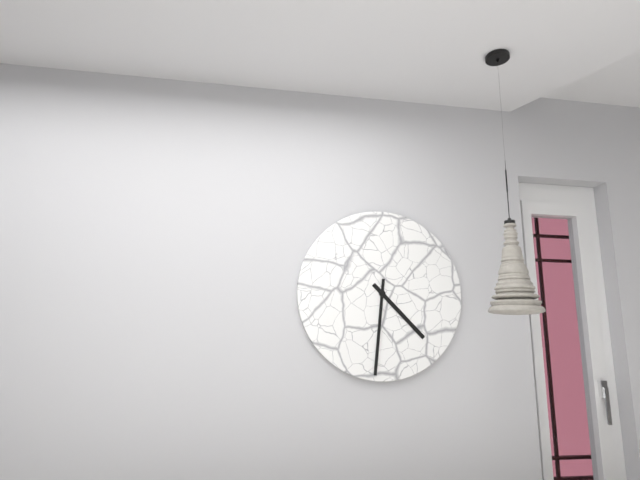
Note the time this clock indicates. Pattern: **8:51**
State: **4:31**
